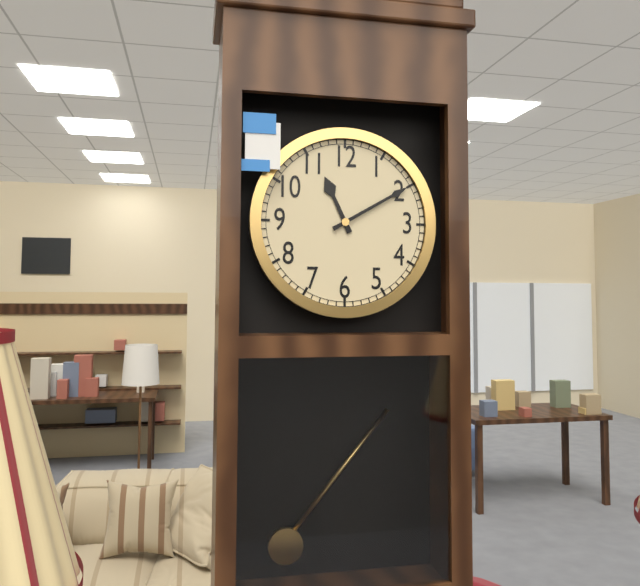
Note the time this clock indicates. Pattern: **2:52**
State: **11:10**
